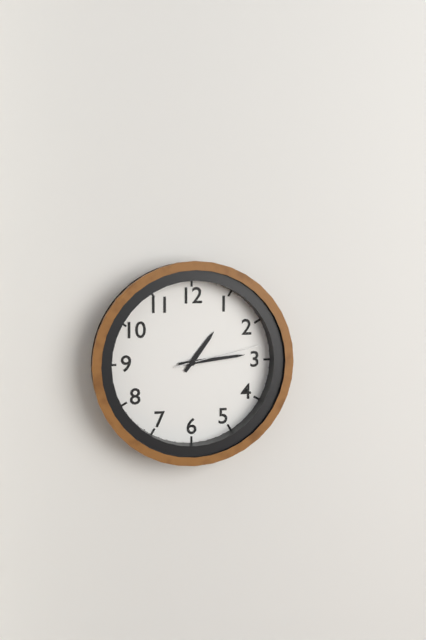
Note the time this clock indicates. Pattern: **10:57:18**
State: **1:14:13**
